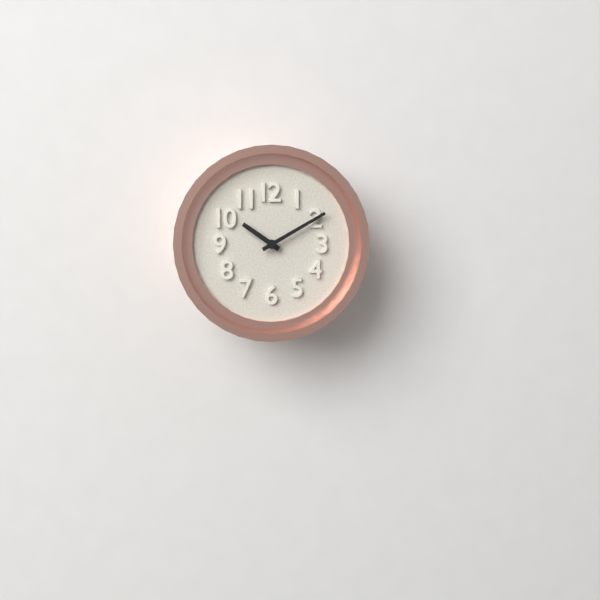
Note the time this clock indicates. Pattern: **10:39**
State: **10:10**
